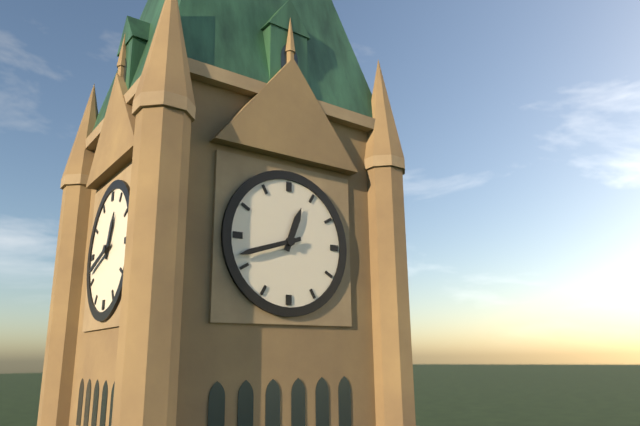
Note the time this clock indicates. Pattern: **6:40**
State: **12:42**
